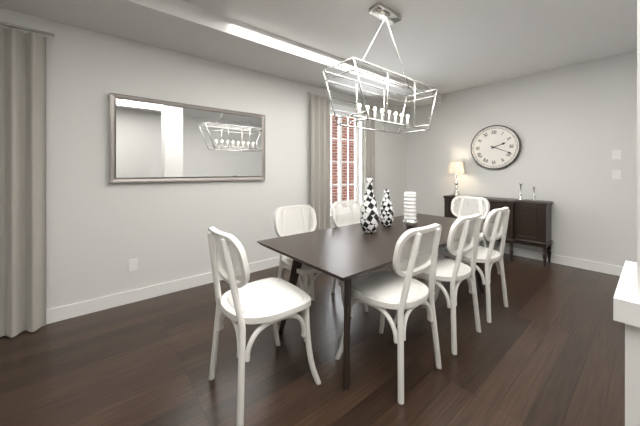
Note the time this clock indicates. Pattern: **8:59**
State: **2:19**
